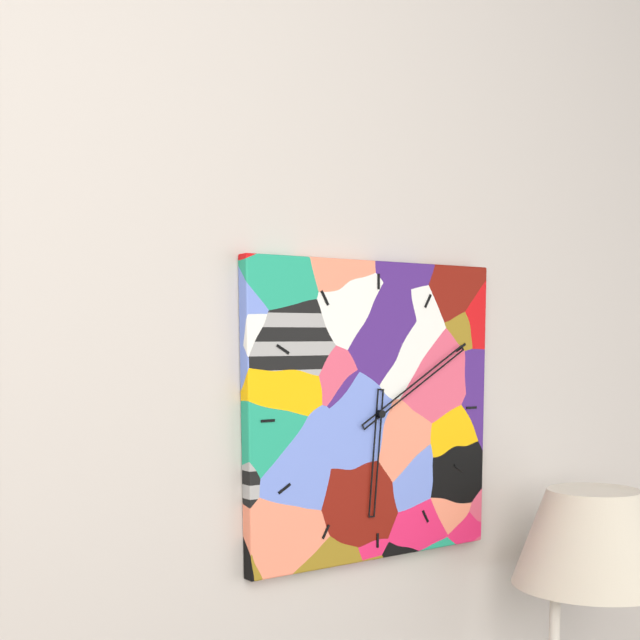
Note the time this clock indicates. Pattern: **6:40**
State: **6:10**
